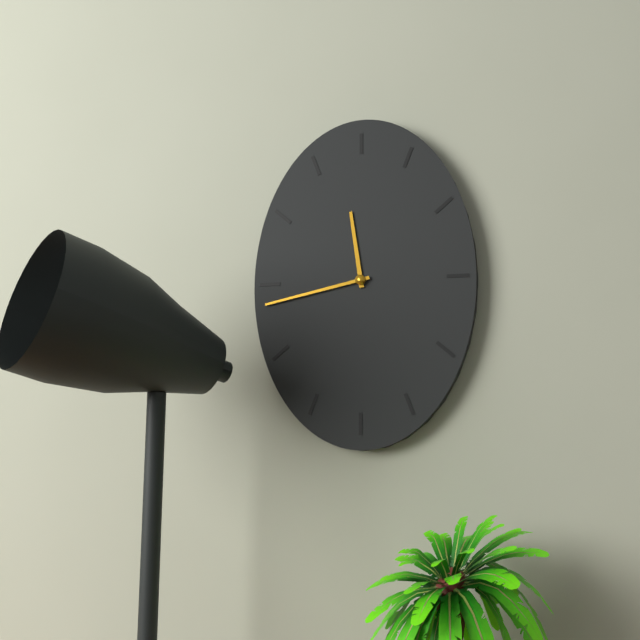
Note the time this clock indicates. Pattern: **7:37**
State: **11:43**
